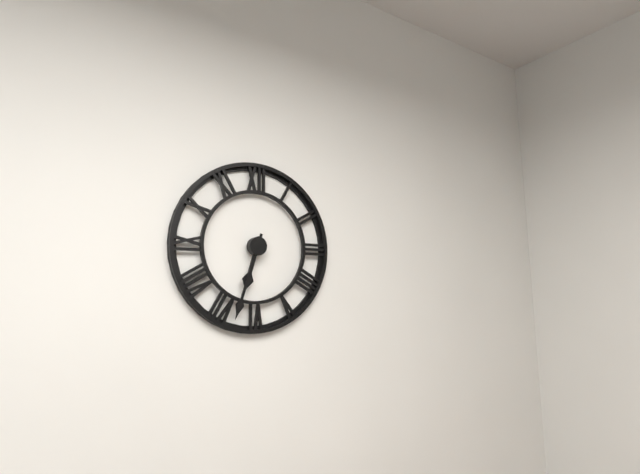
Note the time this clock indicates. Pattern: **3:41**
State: **6:33**
